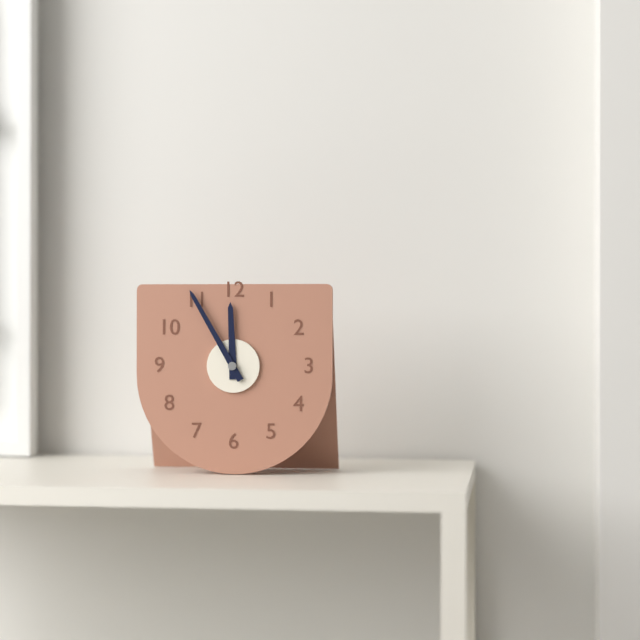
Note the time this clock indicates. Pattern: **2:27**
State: **11:55**
